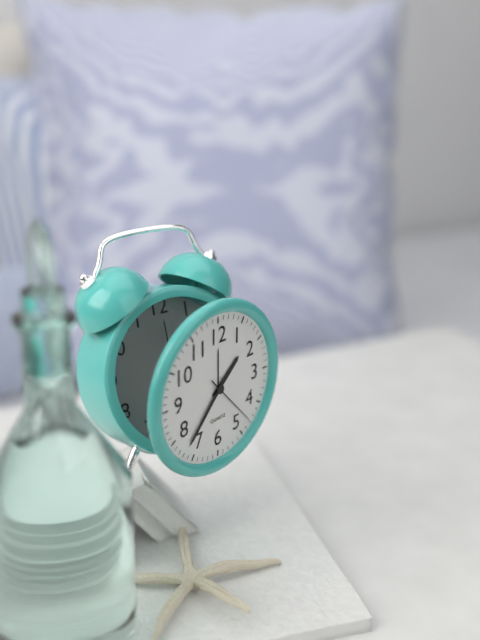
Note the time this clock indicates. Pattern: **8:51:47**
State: **1:37:23**
